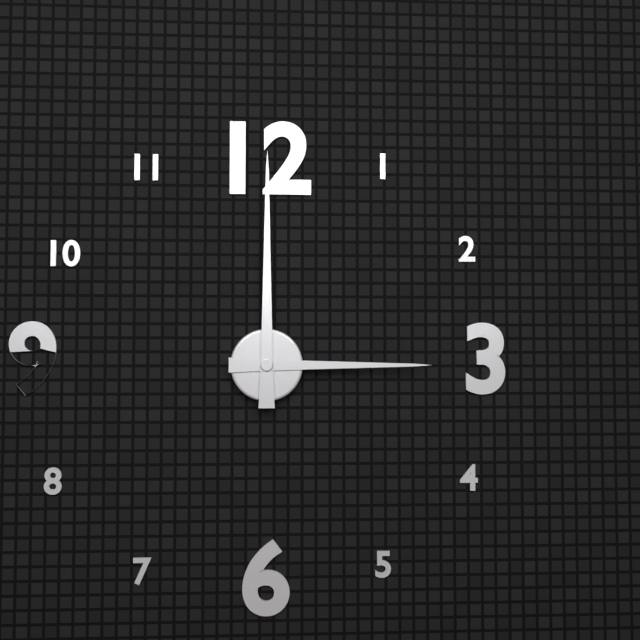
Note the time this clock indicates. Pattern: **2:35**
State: **3:00**
